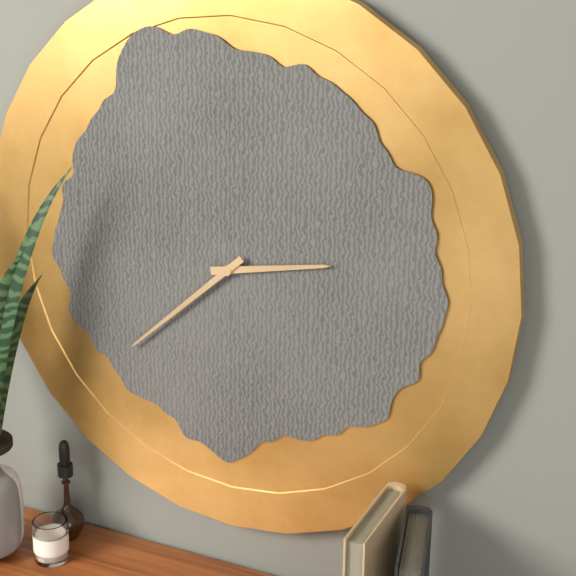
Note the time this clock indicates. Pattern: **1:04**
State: **2:38**
